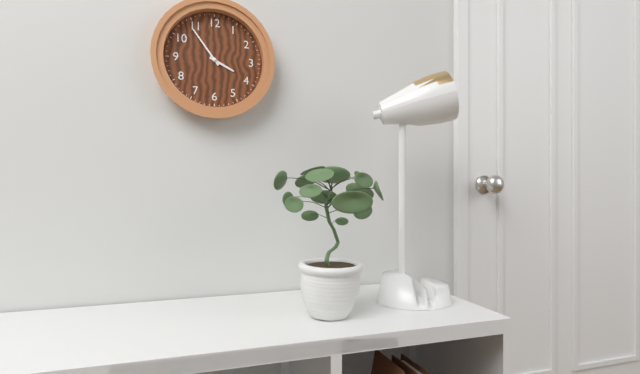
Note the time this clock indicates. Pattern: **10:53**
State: **3:54**
